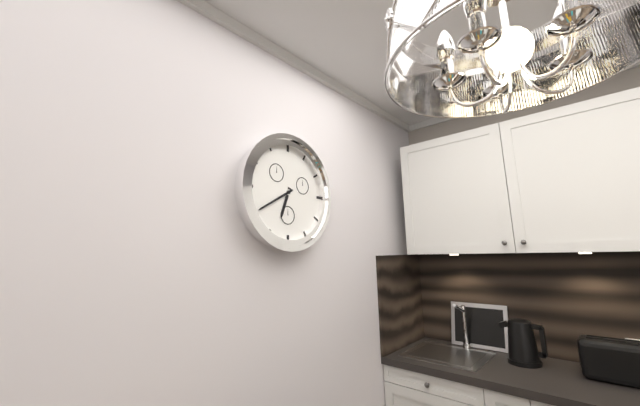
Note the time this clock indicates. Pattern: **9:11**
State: **6:40**
